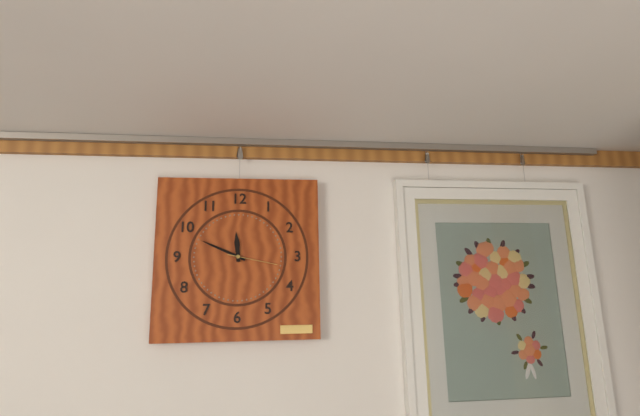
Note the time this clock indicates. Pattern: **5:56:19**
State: **11:49:17**
